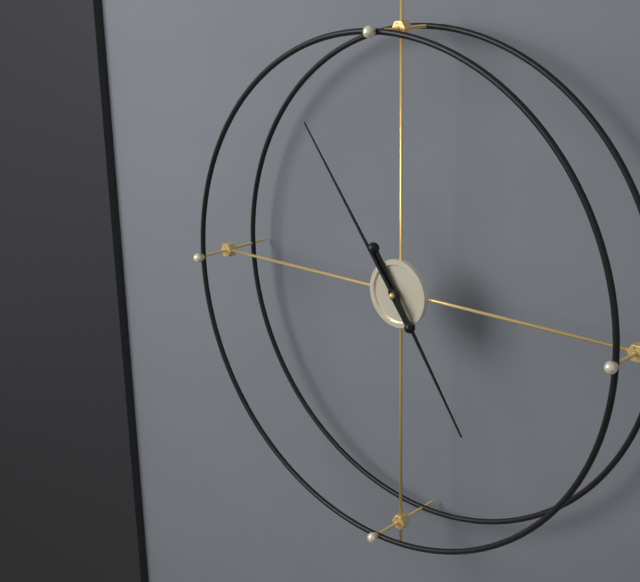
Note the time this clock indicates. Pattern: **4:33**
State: **4:54**
